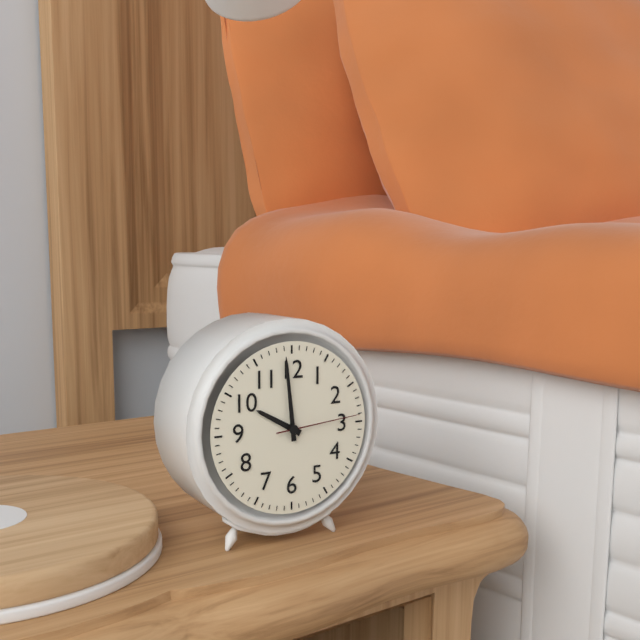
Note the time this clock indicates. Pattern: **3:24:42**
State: **9:59:14**
